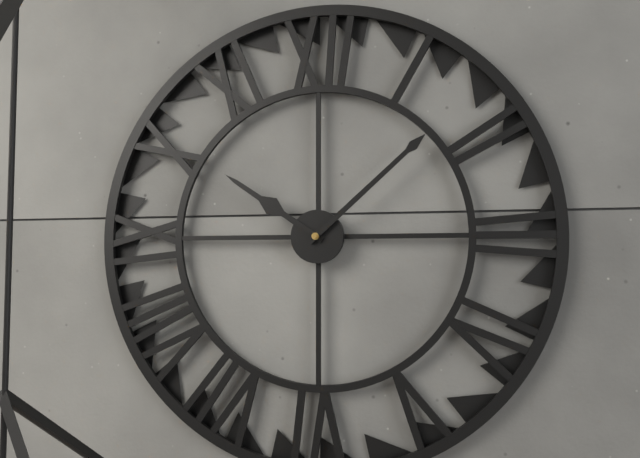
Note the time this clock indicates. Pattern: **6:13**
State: **10:08**
